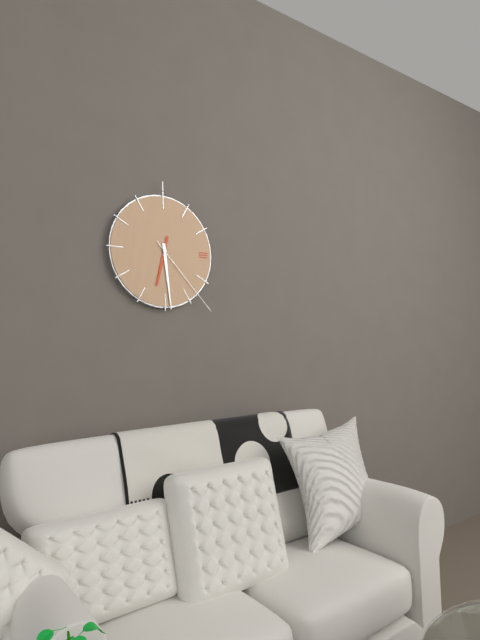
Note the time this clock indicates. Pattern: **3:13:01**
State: **6:29:23**
